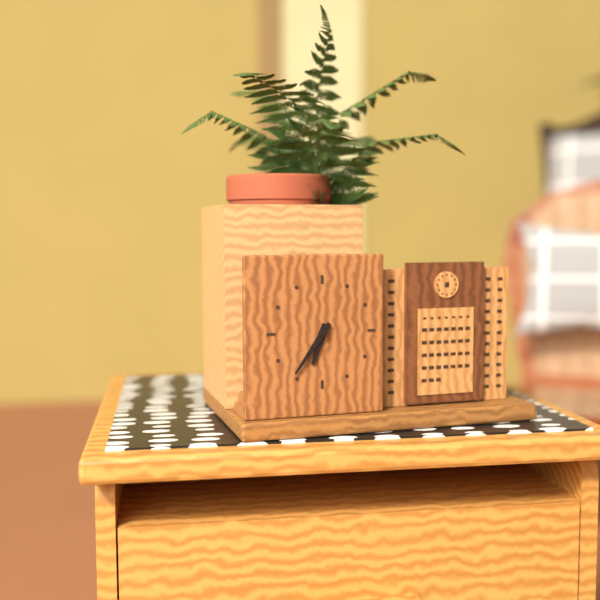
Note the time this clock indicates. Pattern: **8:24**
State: **6:36**
